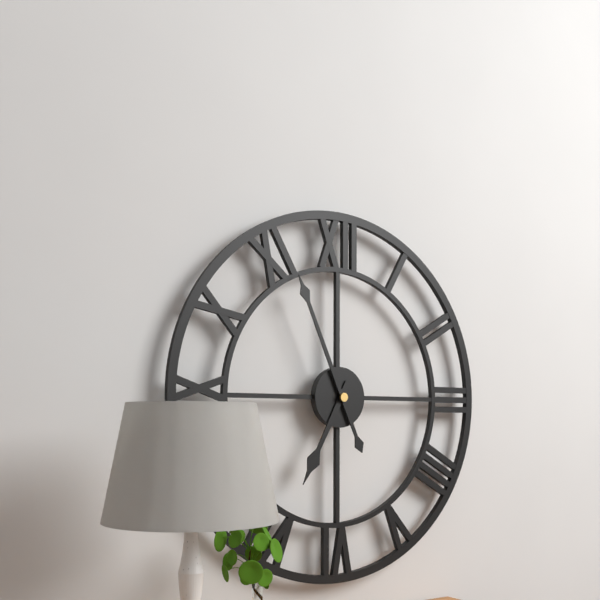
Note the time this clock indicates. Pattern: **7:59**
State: **6:56**
